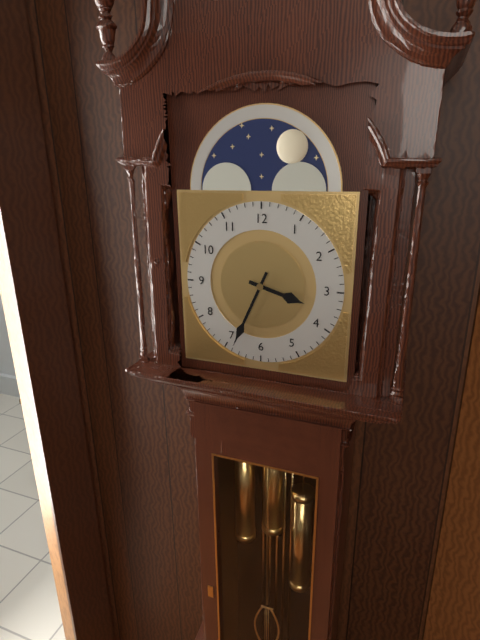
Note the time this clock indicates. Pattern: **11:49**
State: **3:34**
